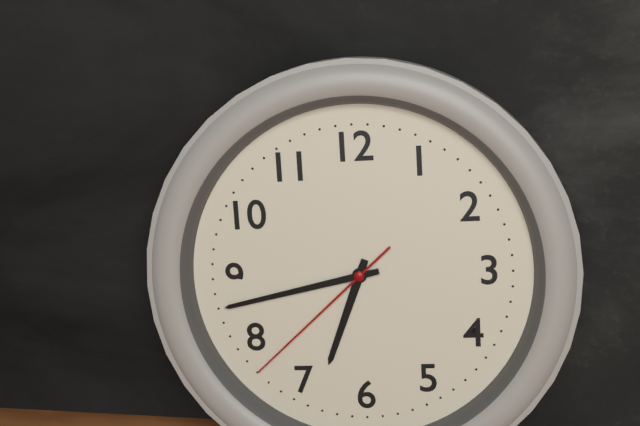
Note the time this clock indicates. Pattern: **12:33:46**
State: **6:43:38**
